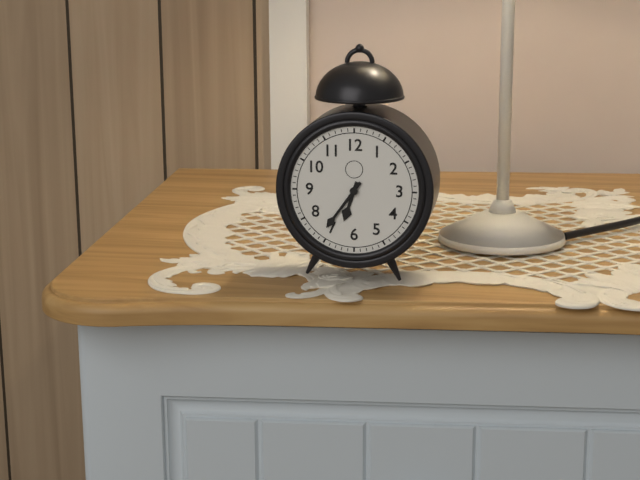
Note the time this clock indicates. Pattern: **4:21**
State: **6:36**
